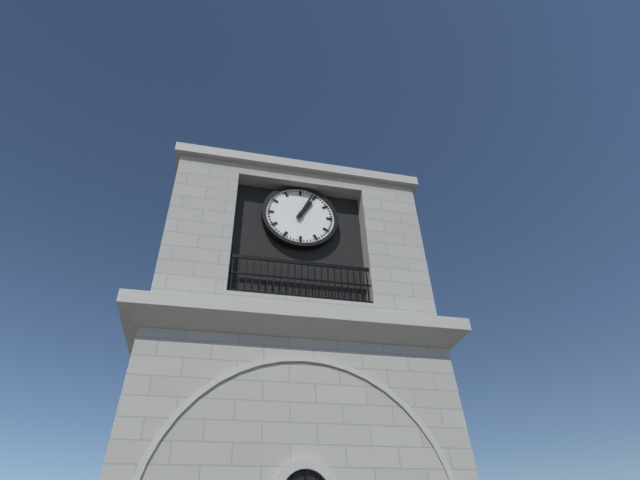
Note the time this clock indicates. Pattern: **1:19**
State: **1:04**
